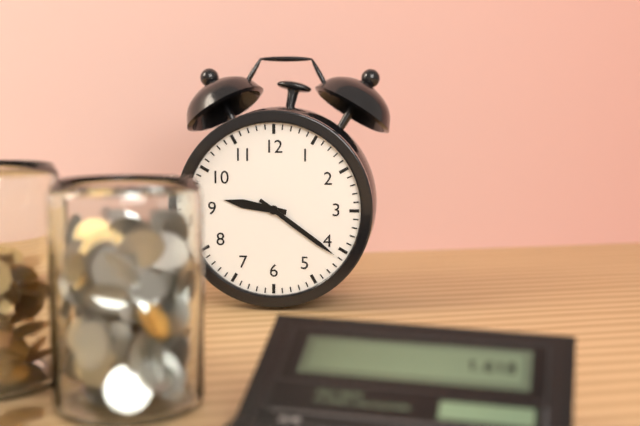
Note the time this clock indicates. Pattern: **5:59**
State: **9:21**
